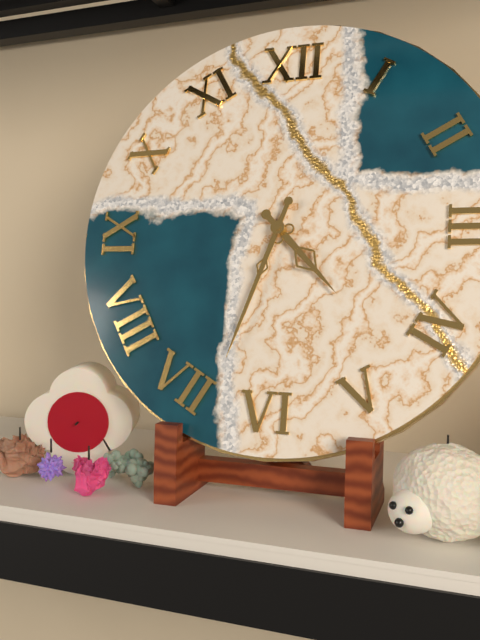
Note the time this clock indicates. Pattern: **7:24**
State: **4:33**
